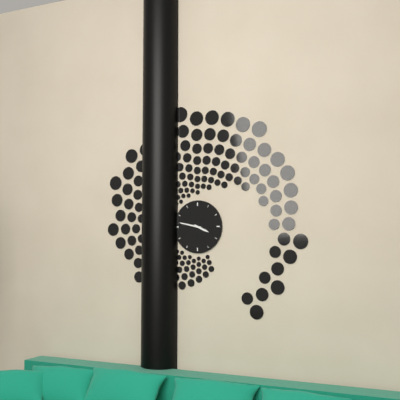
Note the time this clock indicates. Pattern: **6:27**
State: **3:47**
